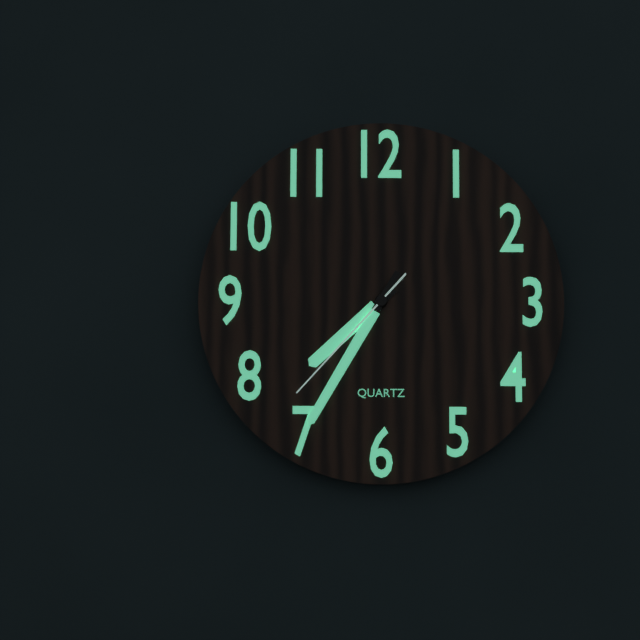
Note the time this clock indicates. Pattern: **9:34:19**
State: **7:35:37**
